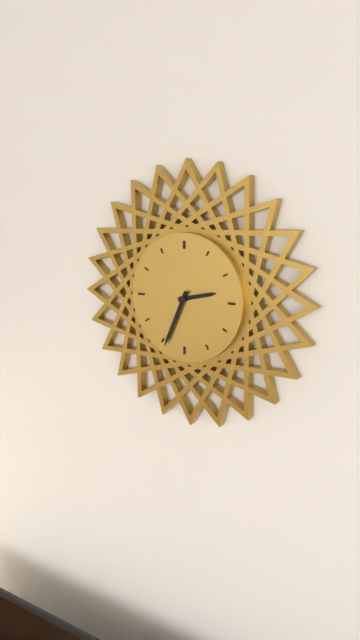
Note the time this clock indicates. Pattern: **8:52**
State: **2:34**
